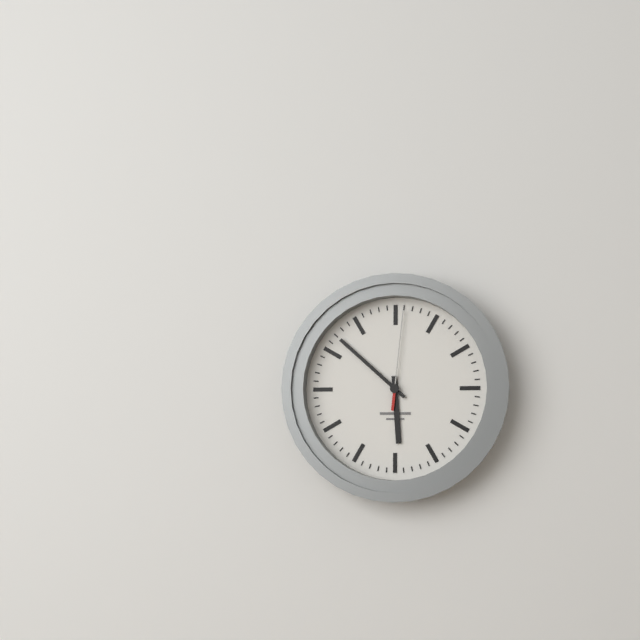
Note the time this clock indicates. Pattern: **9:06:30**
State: **5:52:01**
